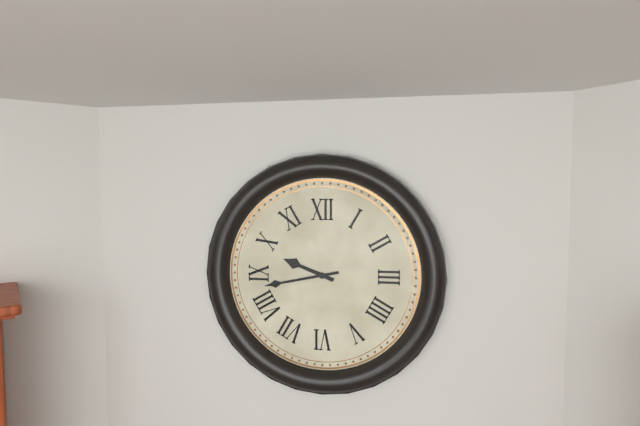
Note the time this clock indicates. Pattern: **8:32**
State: **9:43**
